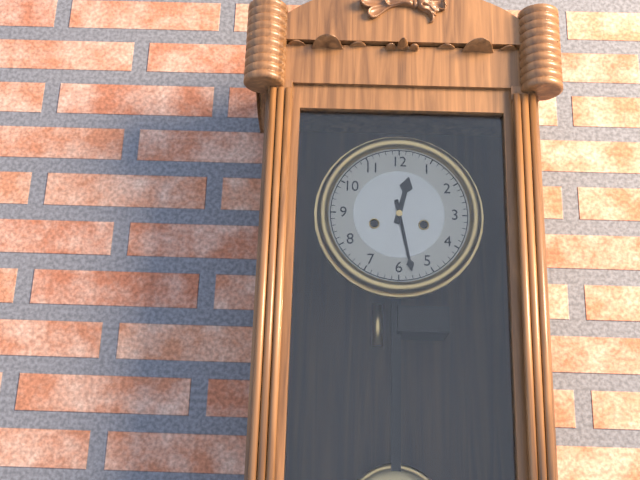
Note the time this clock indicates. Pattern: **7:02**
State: **12:28**
